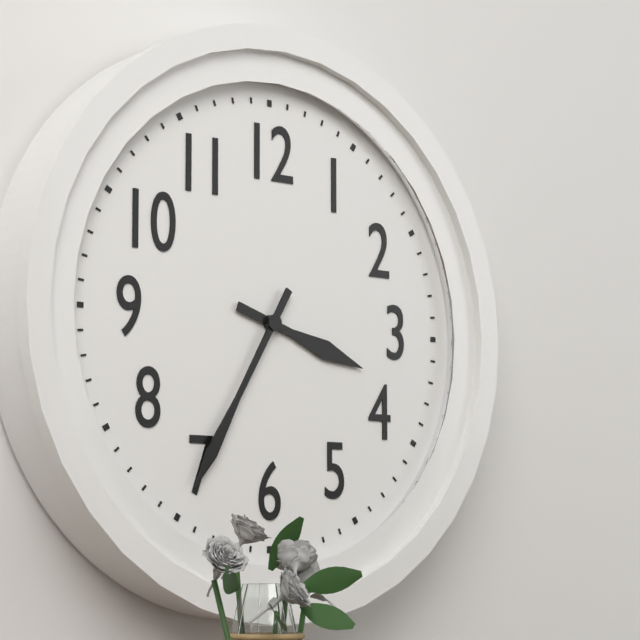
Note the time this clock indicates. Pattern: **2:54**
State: **3:35**
